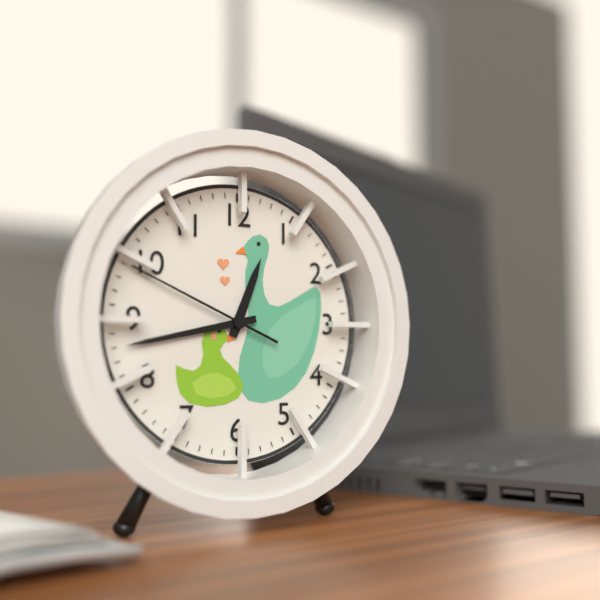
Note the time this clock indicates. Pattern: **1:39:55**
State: **12:43:49**
